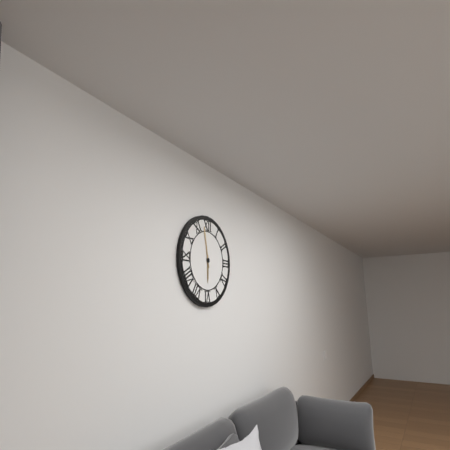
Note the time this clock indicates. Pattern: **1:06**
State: **5:58**
